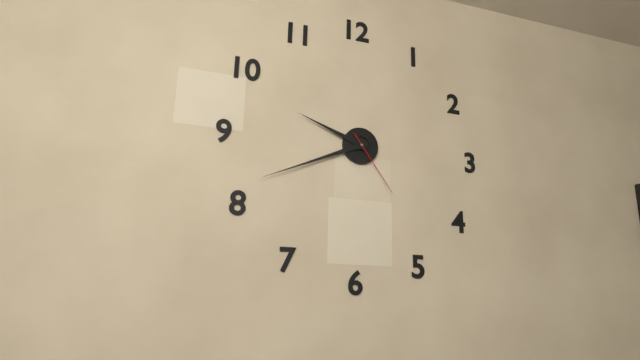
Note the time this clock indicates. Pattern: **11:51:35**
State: **9:41:24**
